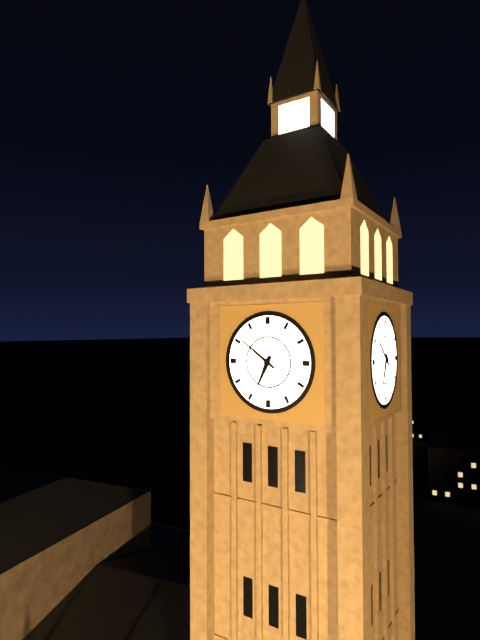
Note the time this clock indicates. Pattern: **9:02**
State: **6:51**
